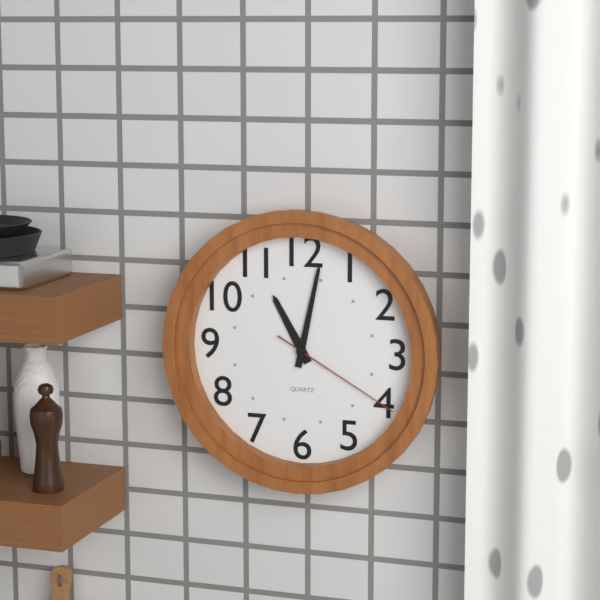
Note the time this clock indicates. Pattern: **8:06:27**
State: **11:02:20**
